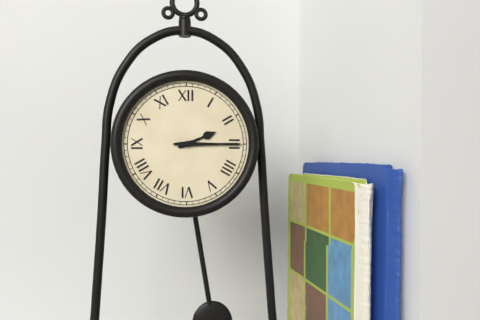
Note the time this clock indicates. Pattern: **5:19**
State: **2:15**
